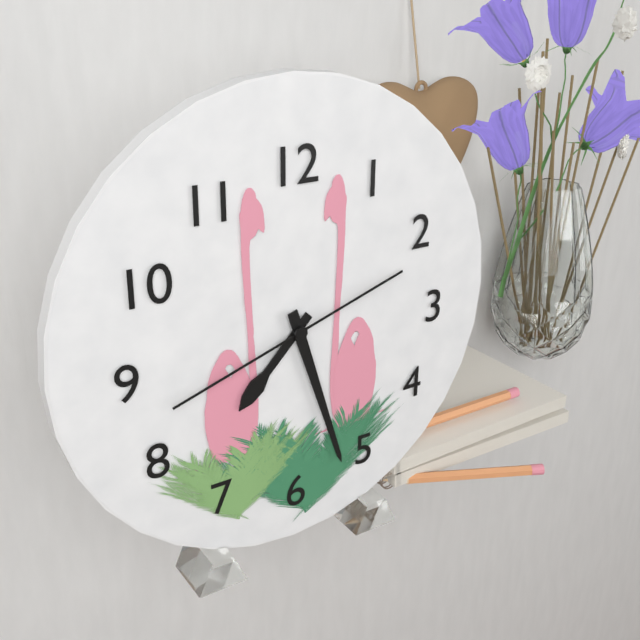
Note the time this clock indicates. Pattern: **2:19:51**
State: **7:27:42**
